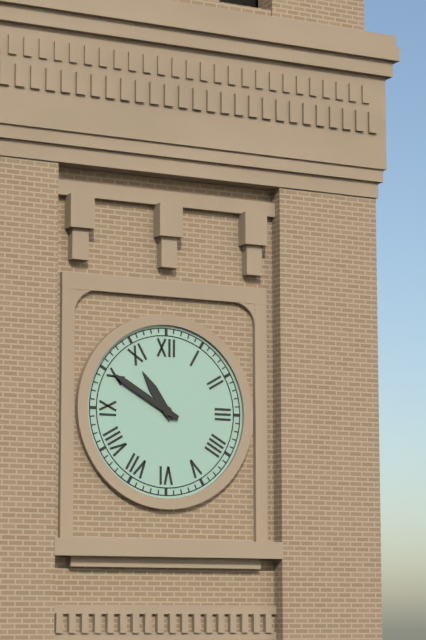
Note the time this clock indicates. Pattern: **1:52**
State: **10:50**
